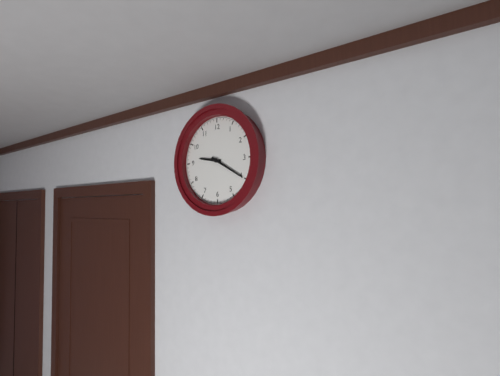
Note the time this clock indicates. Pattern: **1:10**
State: **9:20**
